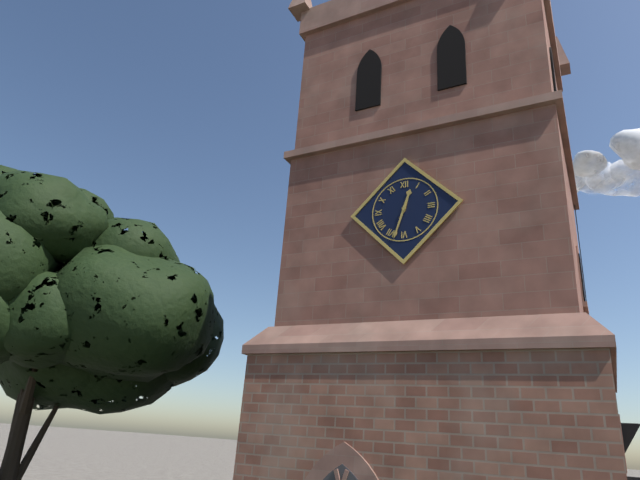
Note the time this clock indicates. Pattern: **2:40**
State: **12:33**
